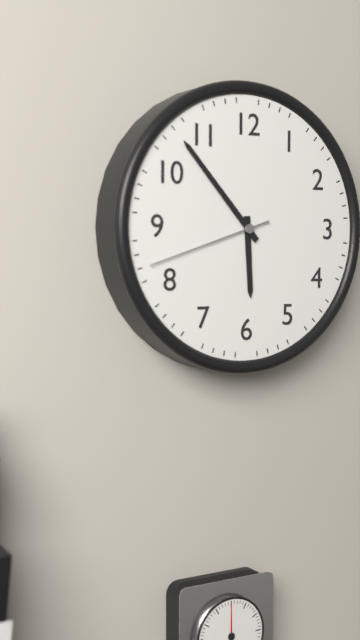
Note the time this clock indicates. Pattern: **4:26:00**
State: **5:53:42**
